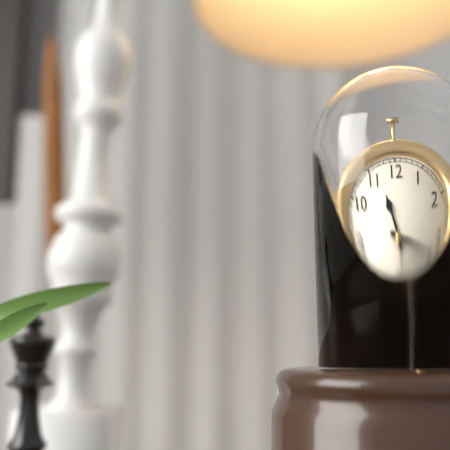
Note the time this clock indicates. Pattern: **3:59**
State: **11:17**
